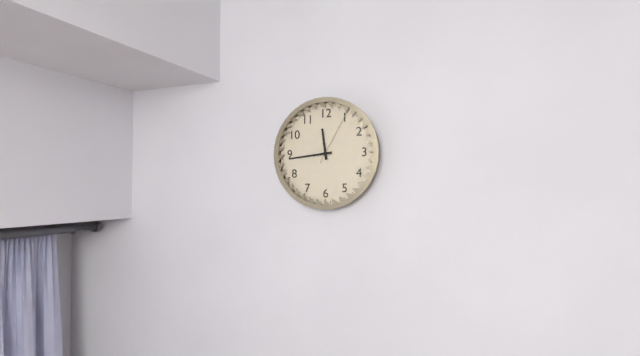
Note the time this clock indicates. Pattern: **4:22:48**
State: **11:44:05**
